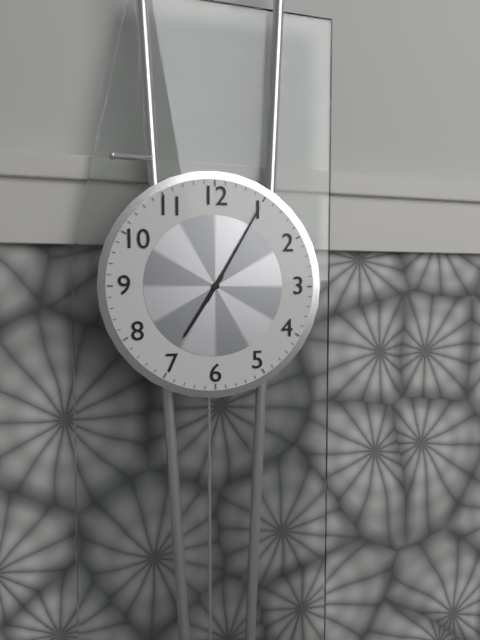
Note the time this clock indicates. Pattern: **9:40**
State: **7:05**
